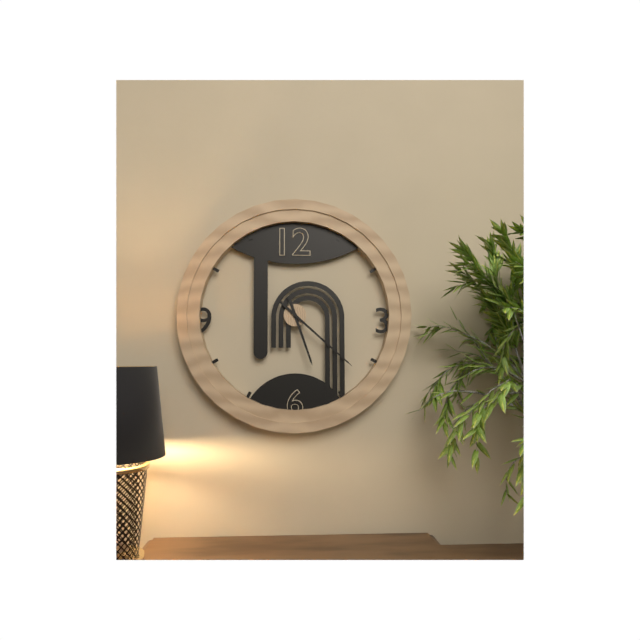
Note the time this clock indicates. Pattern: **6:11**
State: **5:22**
